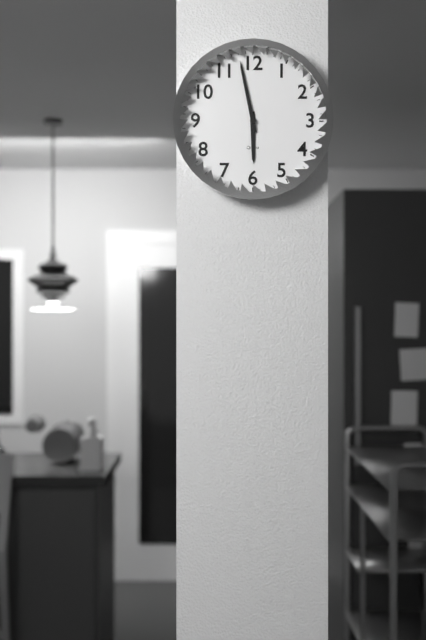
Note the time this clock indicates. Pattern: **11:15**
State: **5:58**
